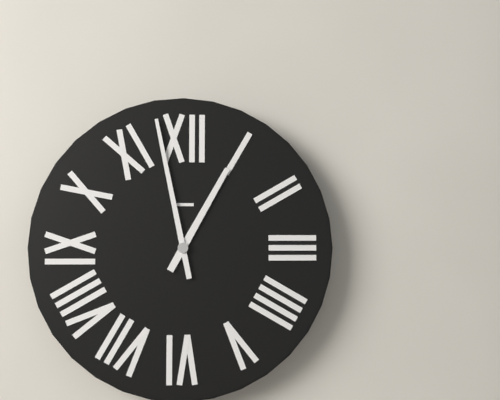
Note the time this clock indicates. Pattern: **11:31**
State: **12:58**
